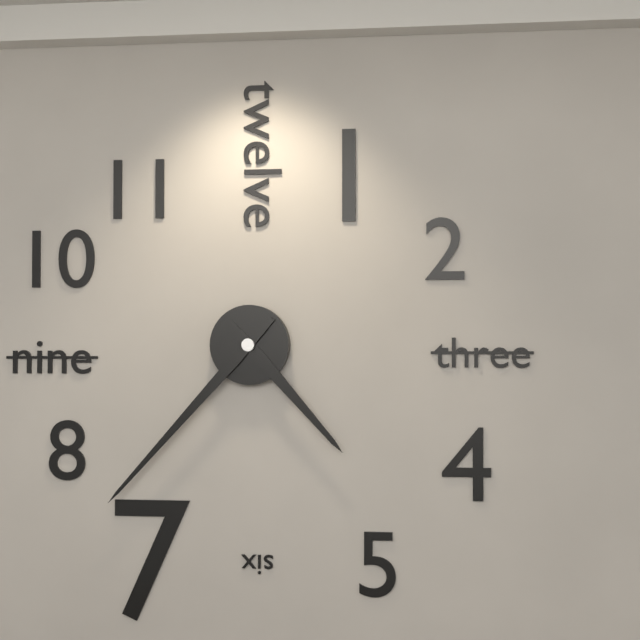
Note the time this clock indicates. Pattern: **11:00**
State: **4:37**
